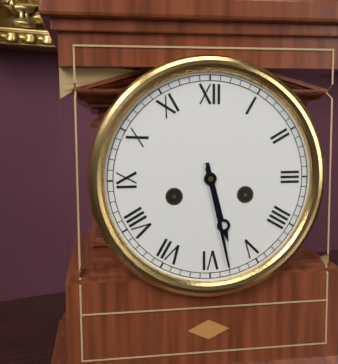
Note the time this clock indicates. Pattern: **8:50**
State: **5:28**
